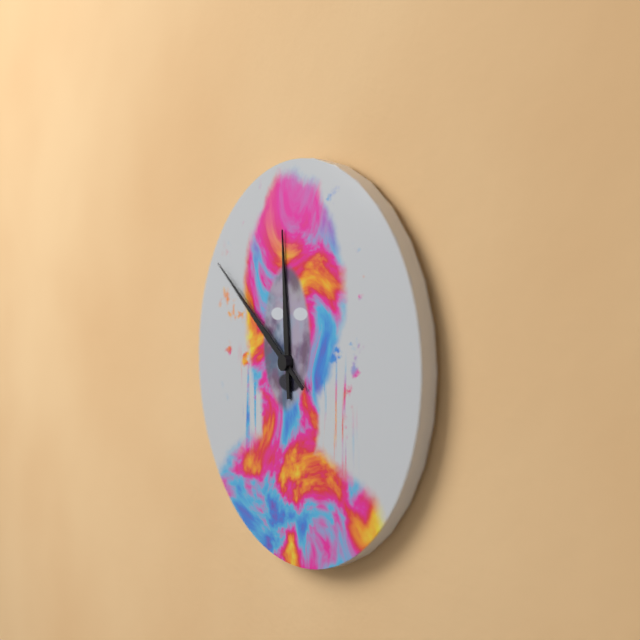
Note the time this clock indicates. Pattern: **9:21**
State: **11:51**
